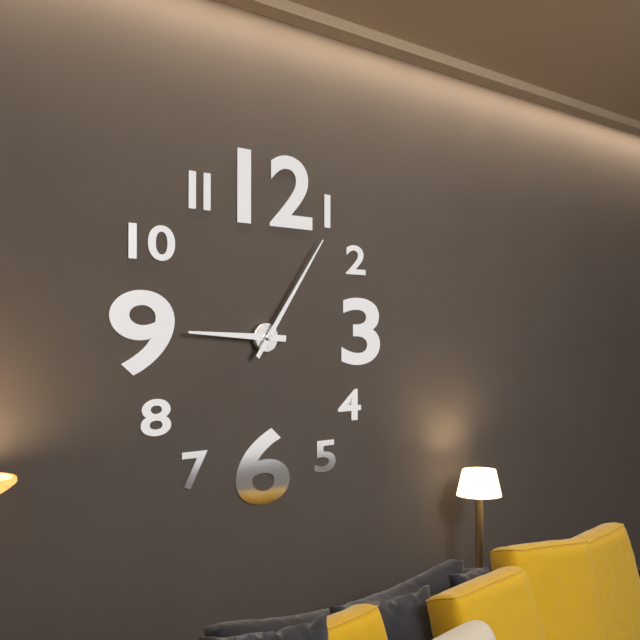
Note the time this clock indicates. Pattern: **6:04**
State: **9:06**
